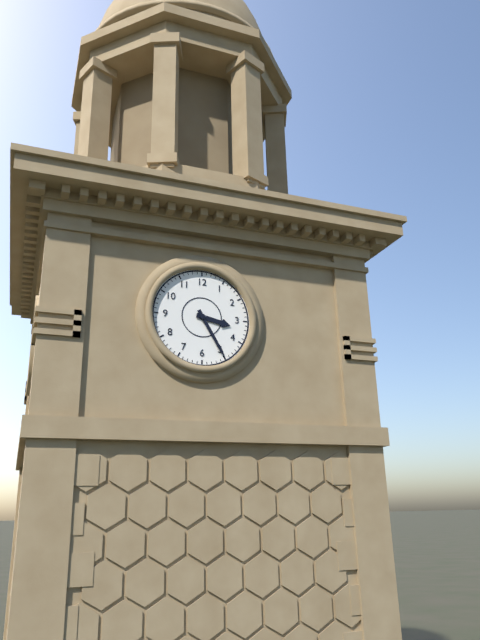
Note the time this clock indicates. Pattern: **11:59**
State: **3:25**
